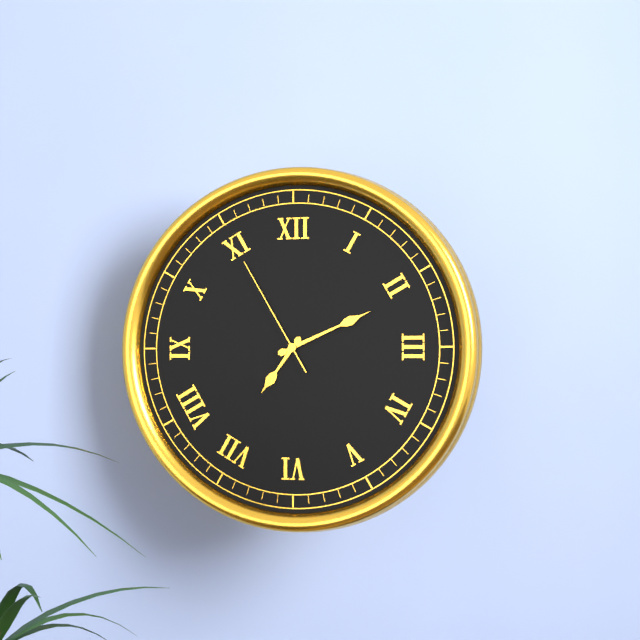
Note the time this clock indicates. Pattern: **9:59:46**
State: **7:11:55**
